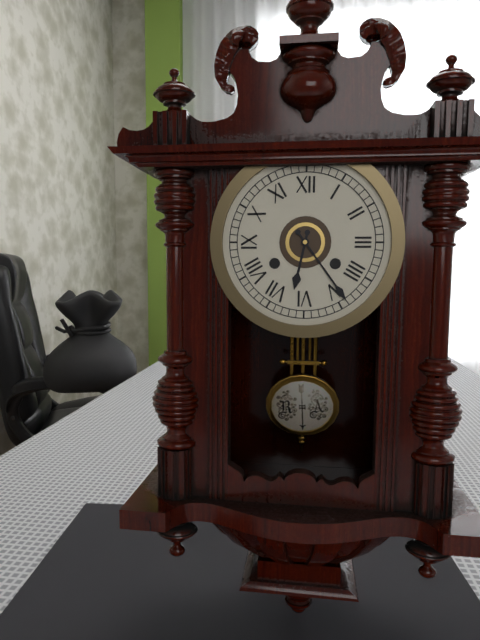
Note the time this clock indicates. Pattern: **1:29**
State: **6:24**
